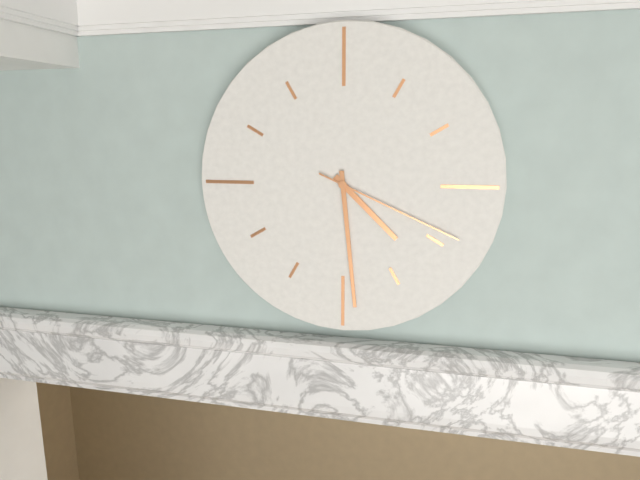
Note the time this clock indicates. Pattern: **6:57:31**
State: **4:29:19**
